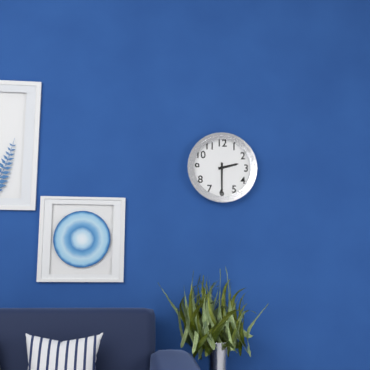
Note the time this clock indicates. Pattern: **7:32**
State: **2:30**
